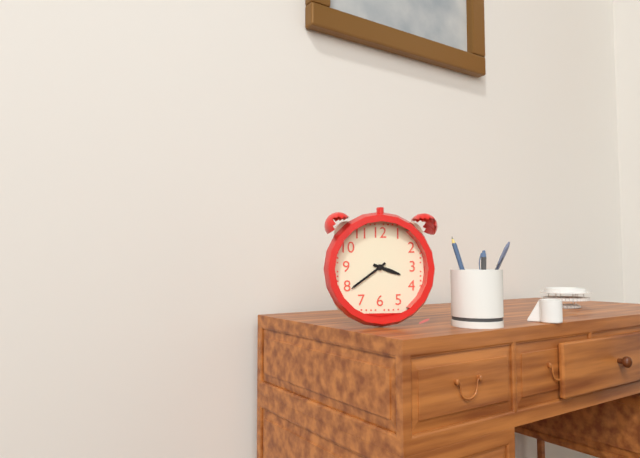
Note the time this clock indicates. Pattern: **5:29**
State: **3:39**
